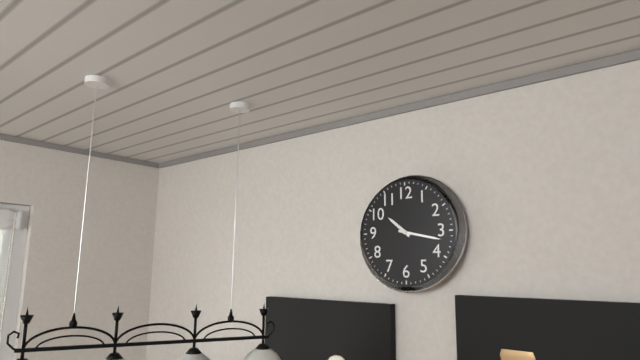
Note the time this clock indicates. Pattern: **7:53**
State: **10:17**
